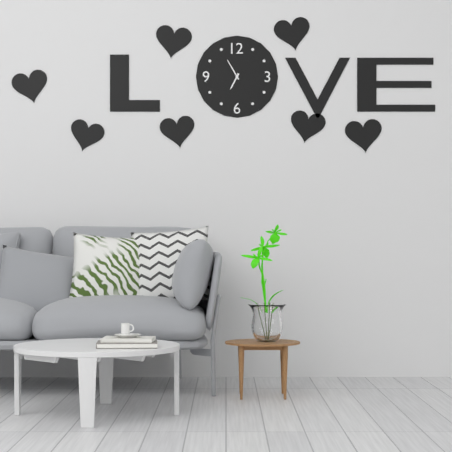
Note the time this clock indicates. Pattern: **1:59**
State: **6:55**
